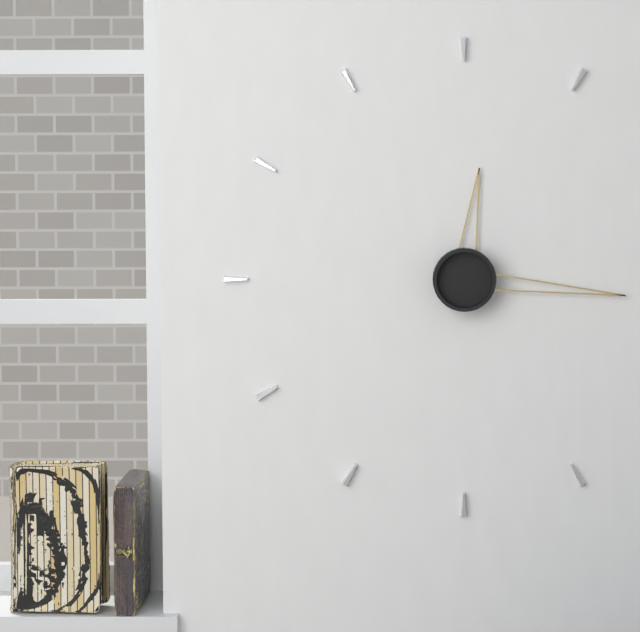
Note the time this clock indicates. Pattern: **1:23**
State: **12:16**
